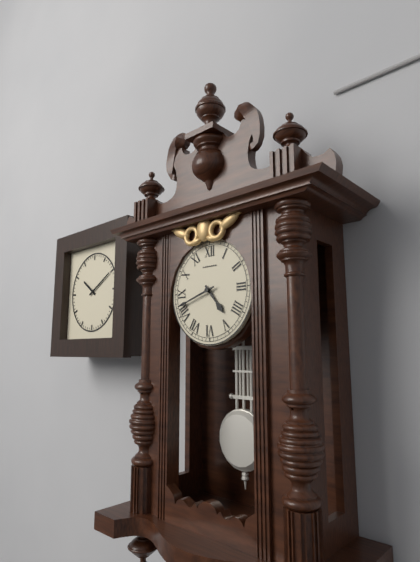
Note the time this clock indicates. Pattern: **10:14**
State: **4:42**
